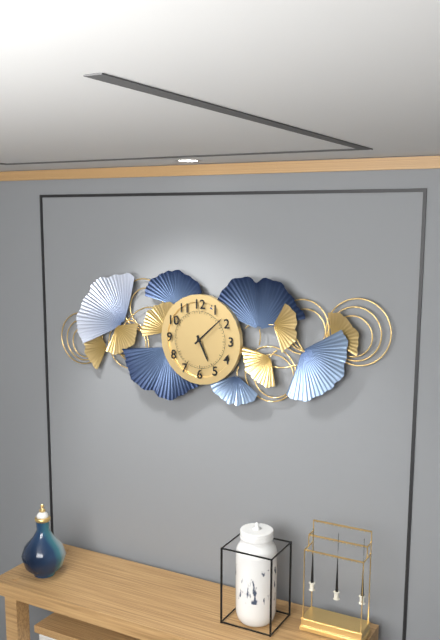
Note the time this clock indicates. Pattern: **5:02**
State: **5:08**
